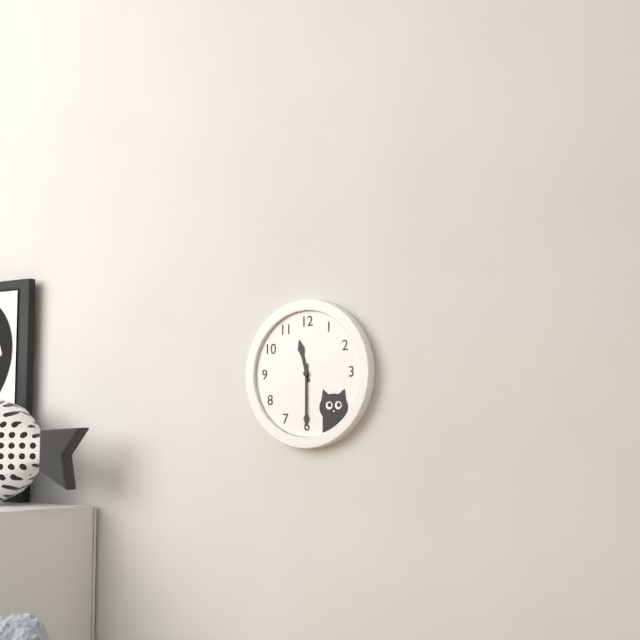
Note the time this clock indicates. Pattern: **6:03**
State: **11:30**
